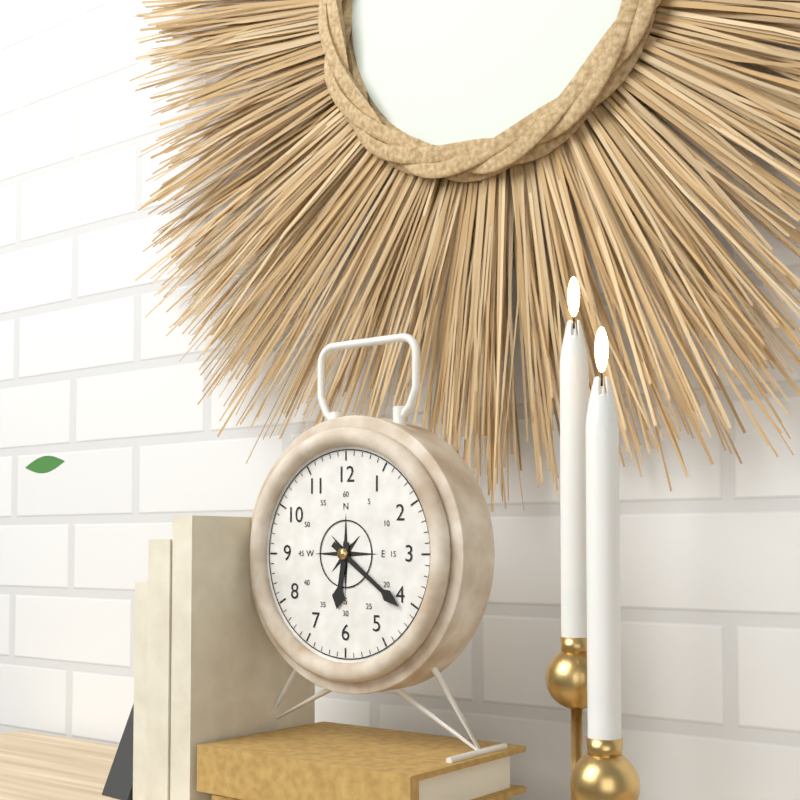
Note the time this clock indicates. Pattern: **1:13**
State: **6:21**
